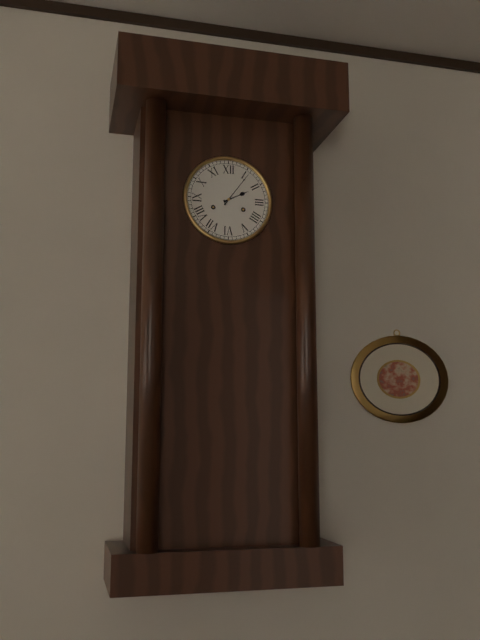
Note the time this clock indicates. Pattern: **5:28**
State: **2:06**
